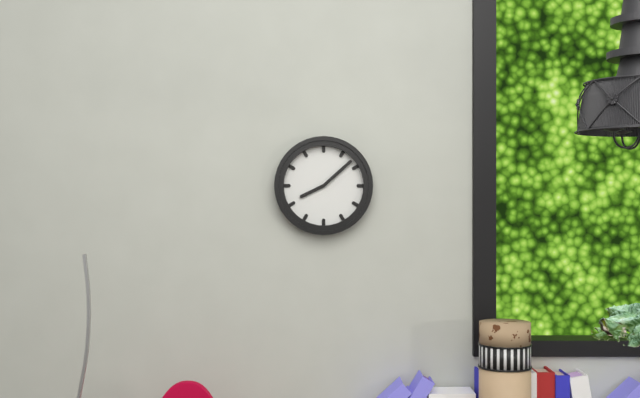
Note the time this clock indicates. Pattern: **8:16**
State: **8:08**
